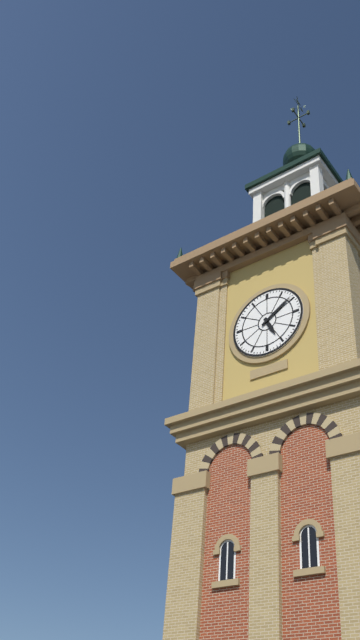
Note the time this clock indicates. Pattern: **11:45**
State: **5:09**
